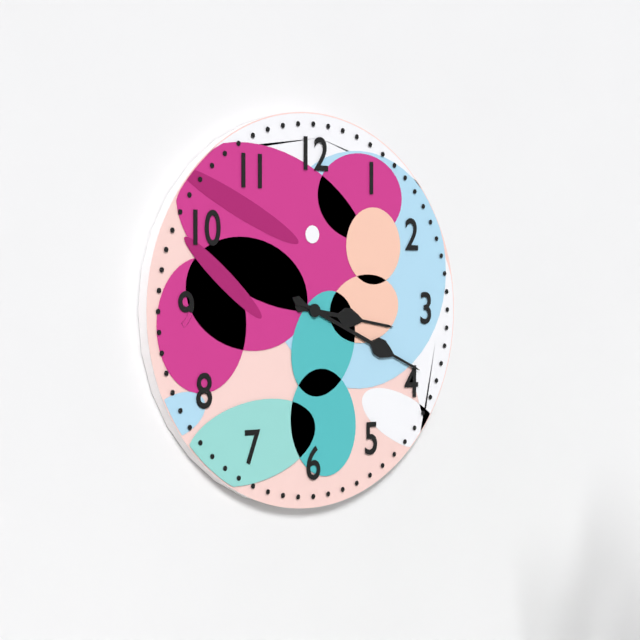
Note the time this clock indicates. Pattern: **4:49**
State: **3:19**
